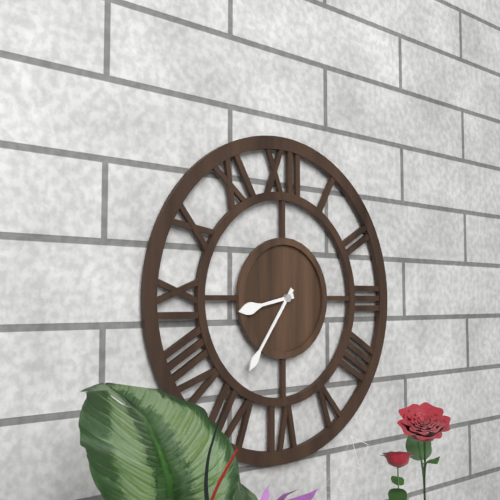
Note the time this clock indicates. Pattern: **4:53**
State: **8:36**
